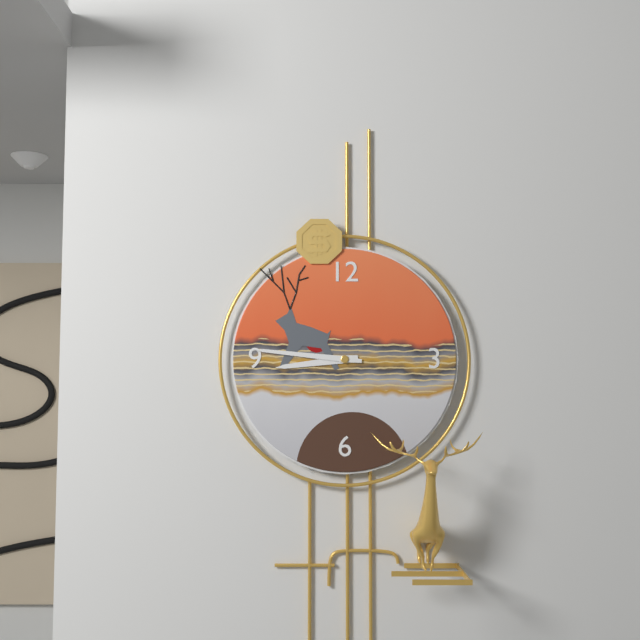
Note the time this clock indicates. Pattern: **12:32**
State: **8:46**
